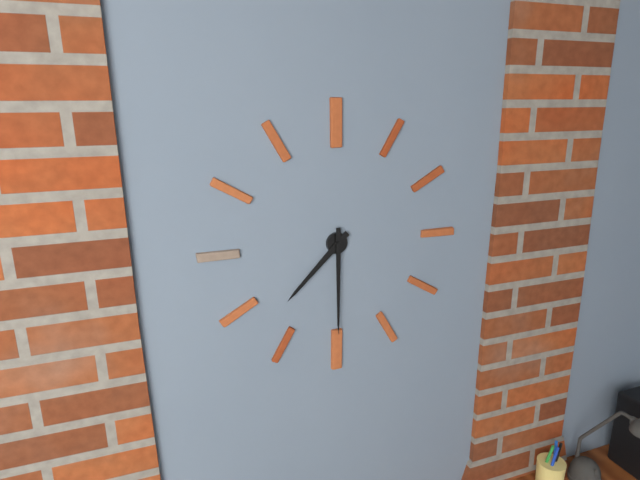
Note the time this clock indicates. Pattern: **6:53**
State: **7:30**
